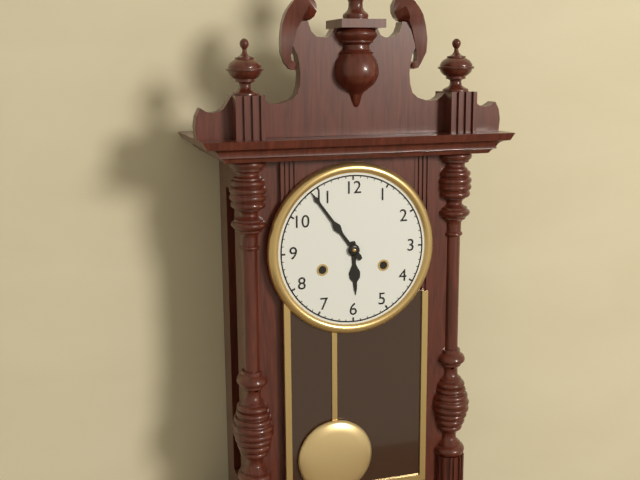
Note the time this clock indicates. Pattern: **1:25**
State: **5:54**
